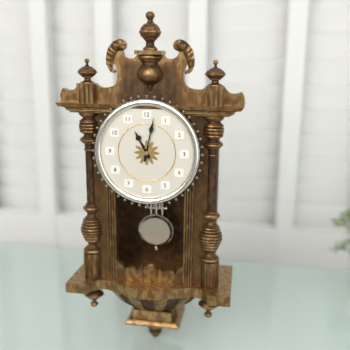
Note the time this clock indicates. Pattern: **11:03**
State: **11:02**
